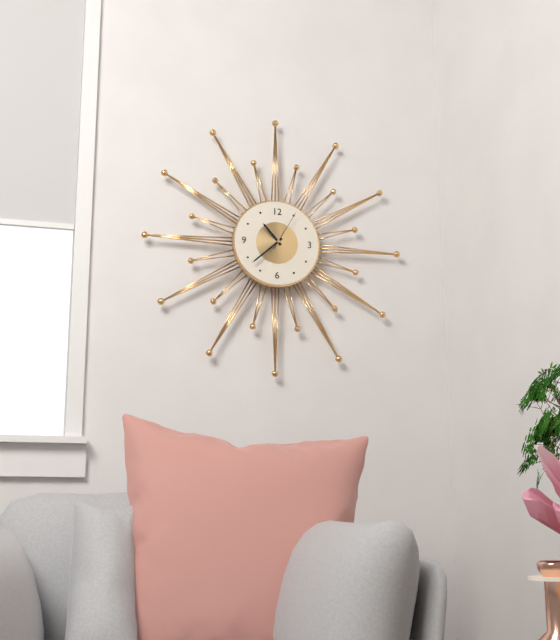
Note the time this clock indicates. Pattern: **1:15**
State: **10:38**
